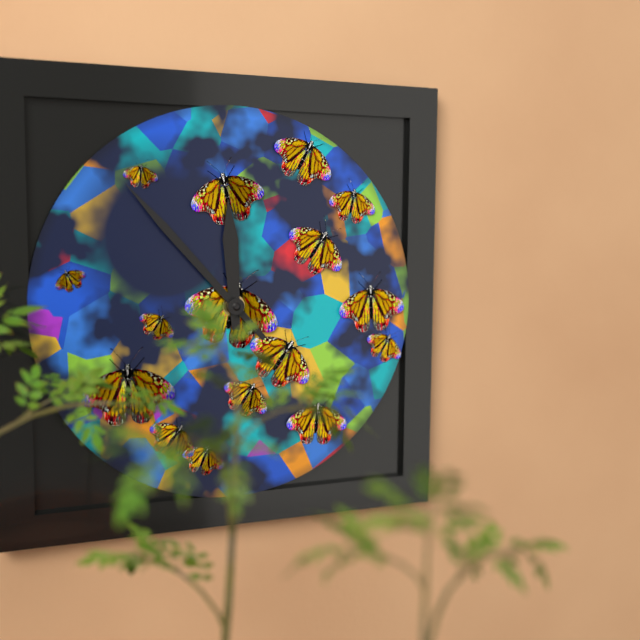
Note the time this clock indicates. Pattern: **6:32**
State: **11:53**
